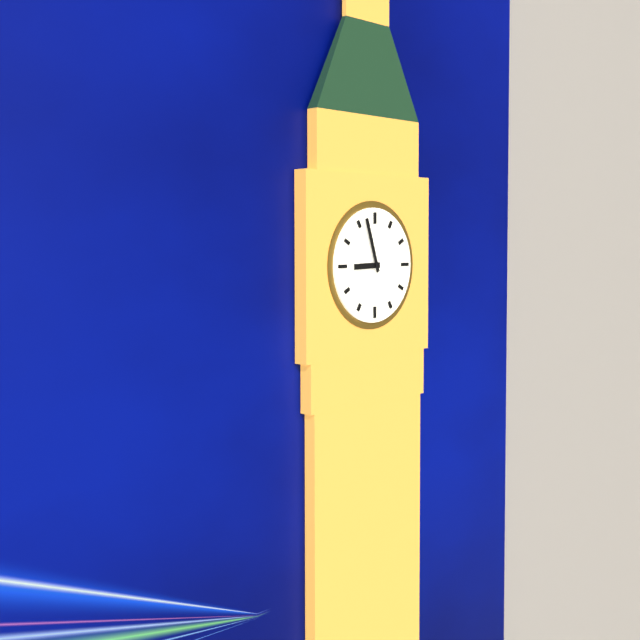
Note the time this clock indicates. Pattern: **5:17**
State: **8:57**
